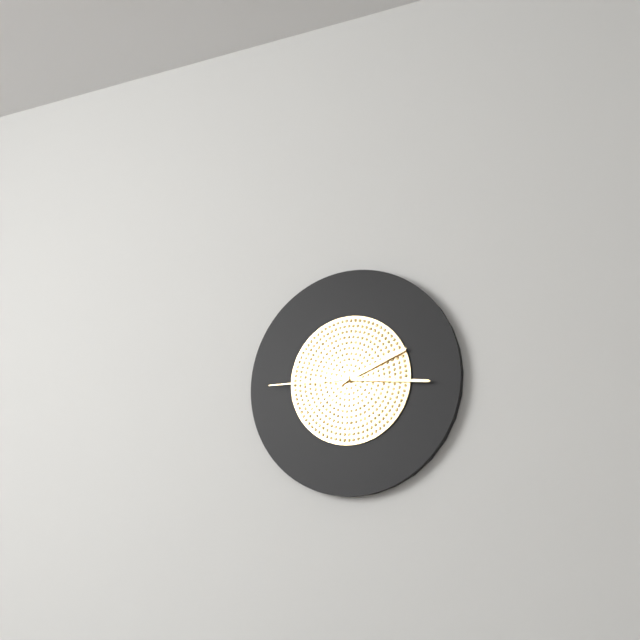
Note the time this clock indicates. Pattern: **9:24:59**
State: **2:16:45**
